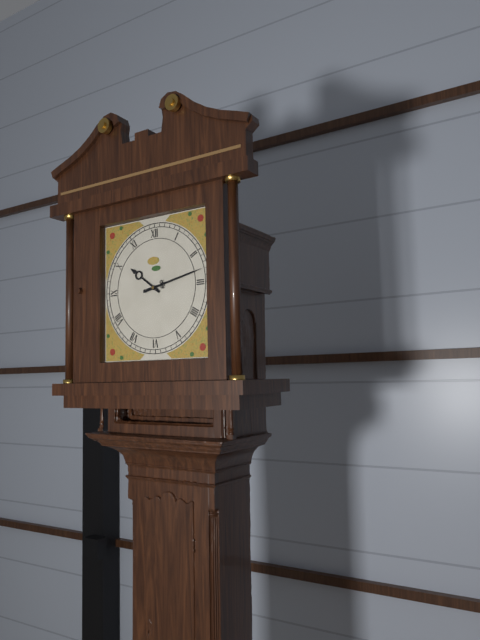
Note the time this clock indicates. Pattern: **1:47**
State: **10:13**
